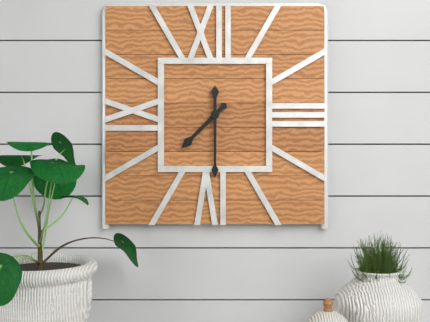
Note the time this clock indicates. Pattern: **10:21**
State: **7:30**
